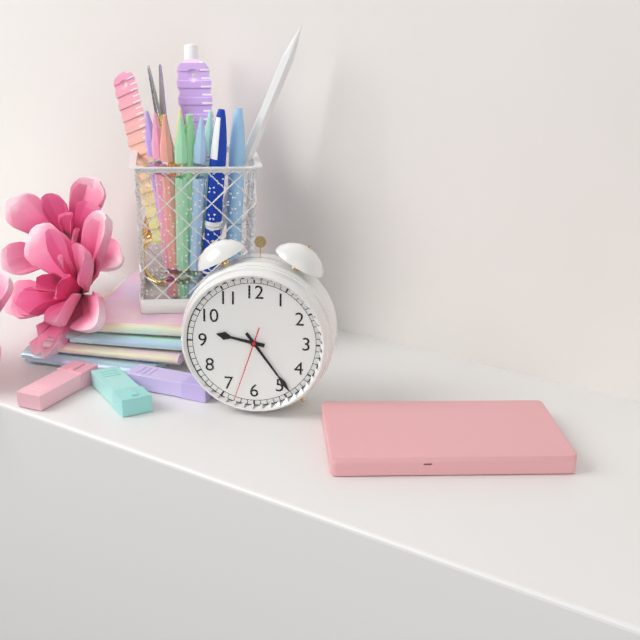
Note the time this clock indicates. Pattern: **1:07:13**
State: **9:24:33**
